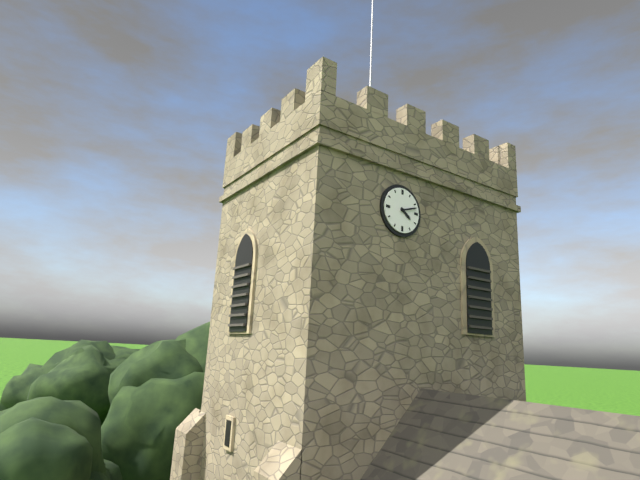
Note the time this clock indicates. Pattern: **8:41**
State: **4:12**
